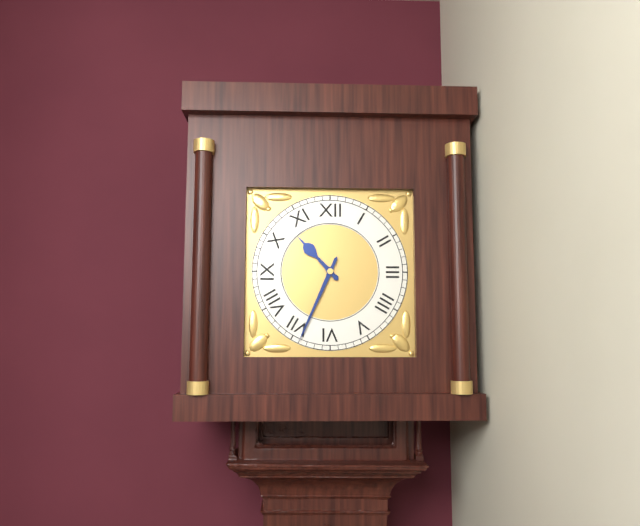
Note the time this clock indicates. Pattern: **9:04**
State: **10:34**
